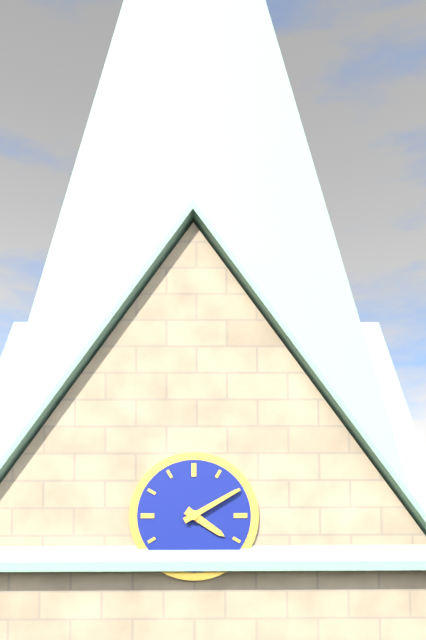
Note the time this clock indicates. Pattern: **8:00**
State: **4:10**
